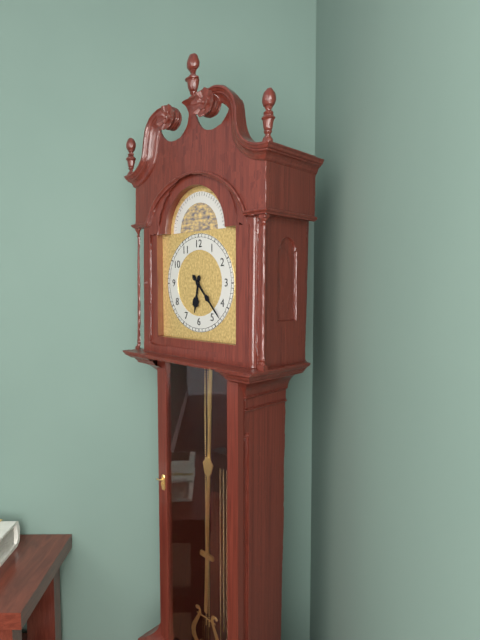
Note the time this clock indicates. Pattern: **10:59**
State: **6:23**
